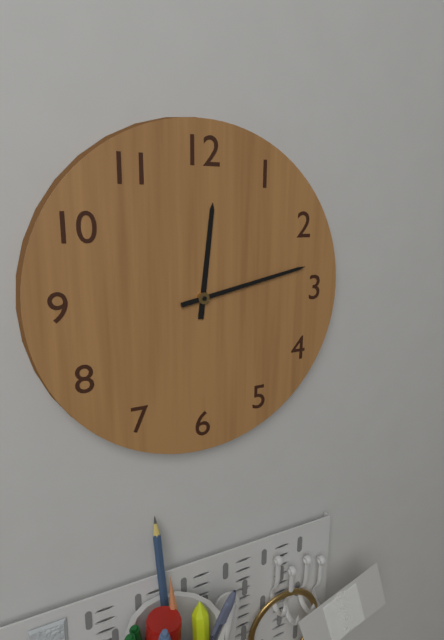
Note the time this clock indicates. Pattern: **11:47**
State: **12:13**
